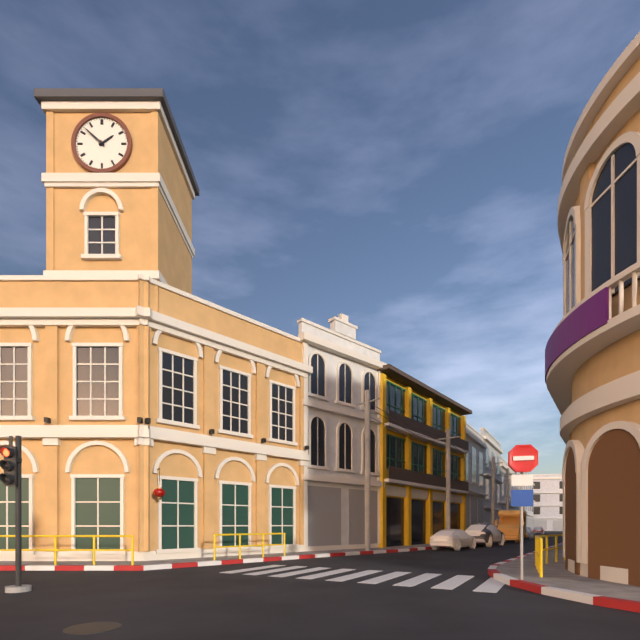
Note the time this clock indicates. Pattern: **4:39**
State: **1:52**
